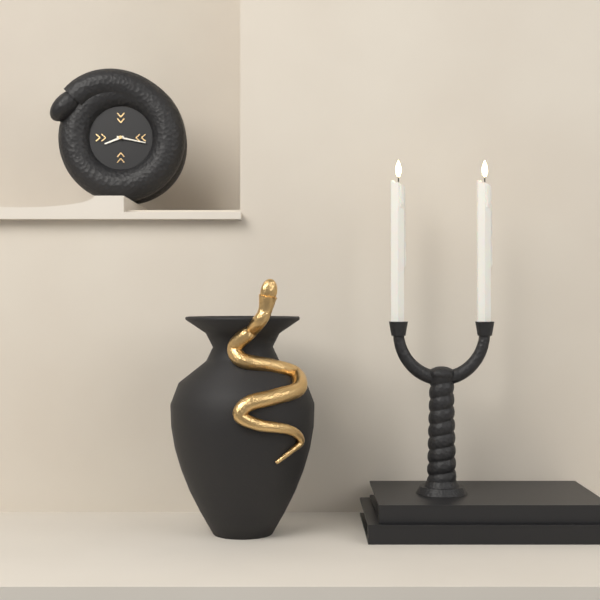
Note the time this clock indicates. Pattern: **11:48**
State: **8:17**
